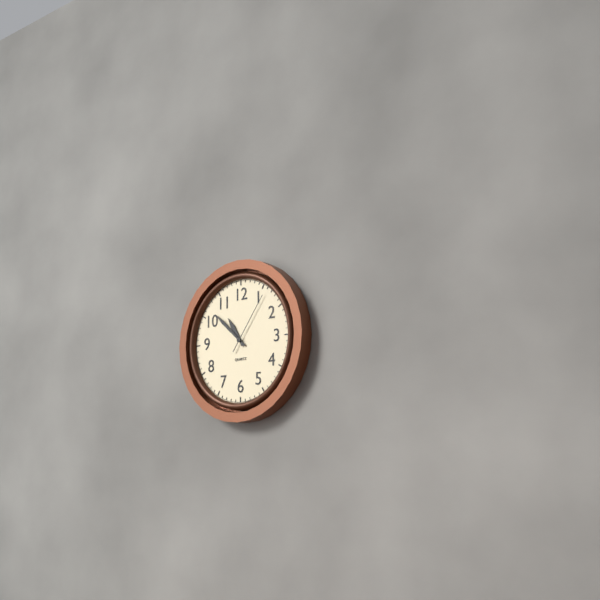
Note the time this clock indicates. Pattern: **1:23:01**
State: **10:52:06**
